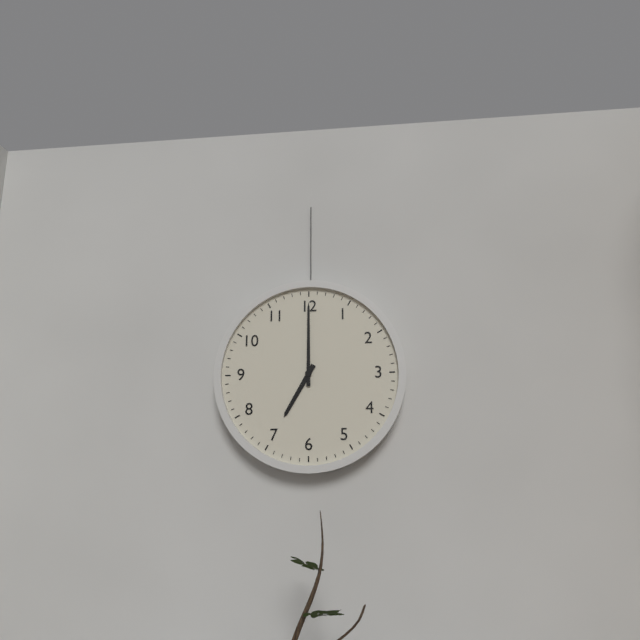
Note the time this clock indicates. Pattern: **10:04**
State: **7:00**
